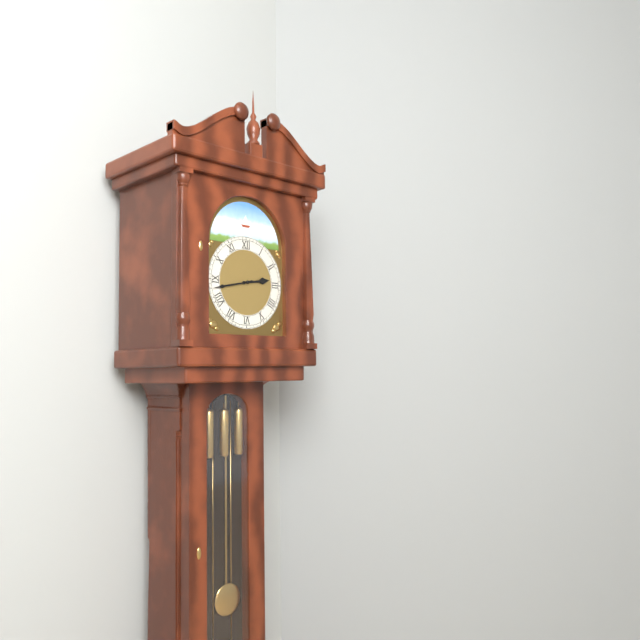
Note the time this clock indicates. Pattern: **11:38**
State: **2:43**
